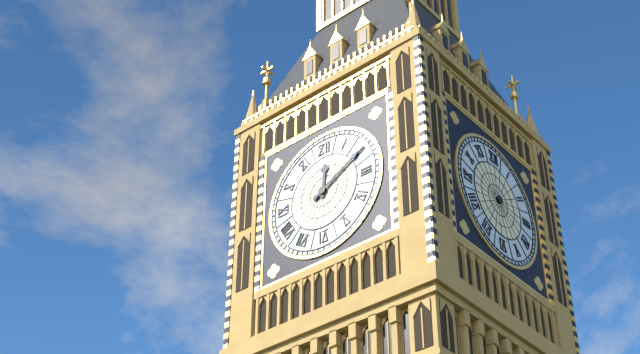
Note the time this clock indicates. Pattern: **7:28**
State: **12:10**
